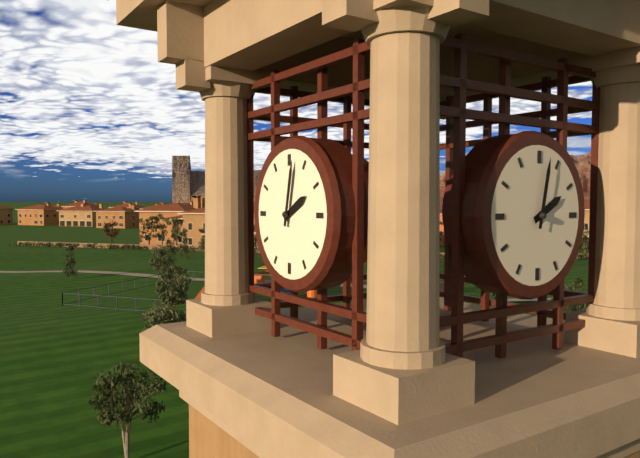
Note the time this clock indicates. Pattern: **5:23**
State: **2:02**
